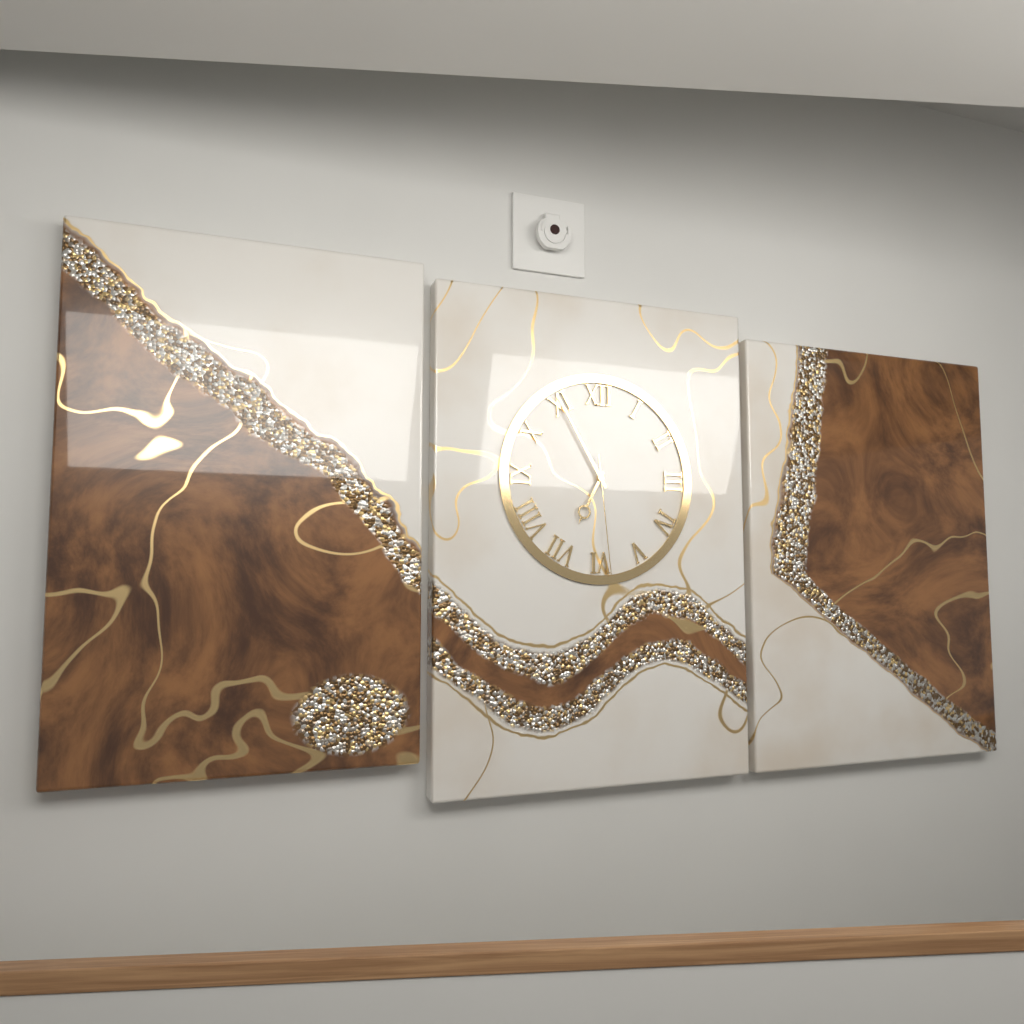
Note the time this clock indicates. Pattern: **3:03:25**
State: **6:55:29**
